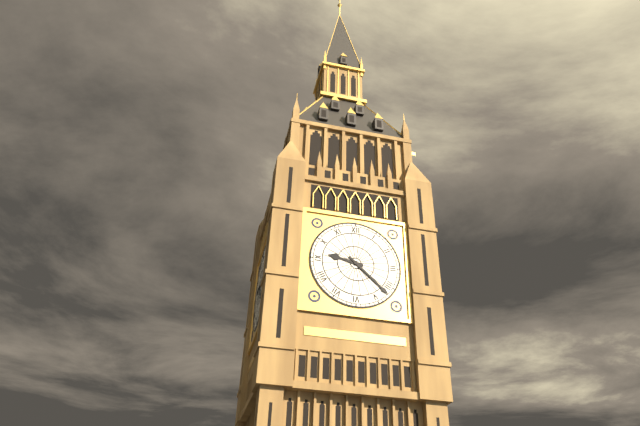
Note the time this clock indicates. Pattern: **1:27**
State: **9:22**
